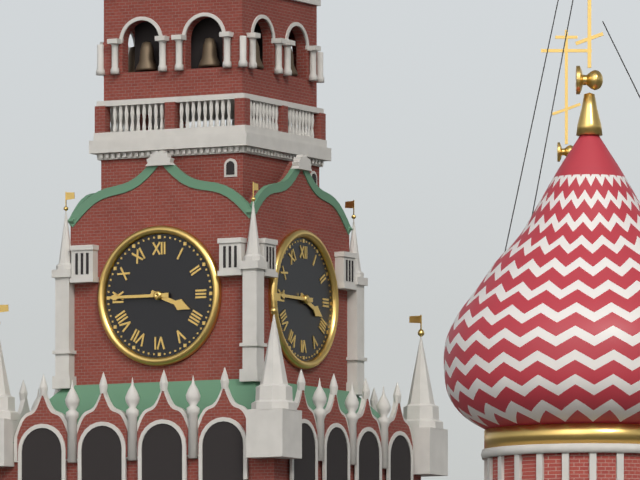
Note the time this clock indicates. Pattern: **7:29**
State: **3:45**
